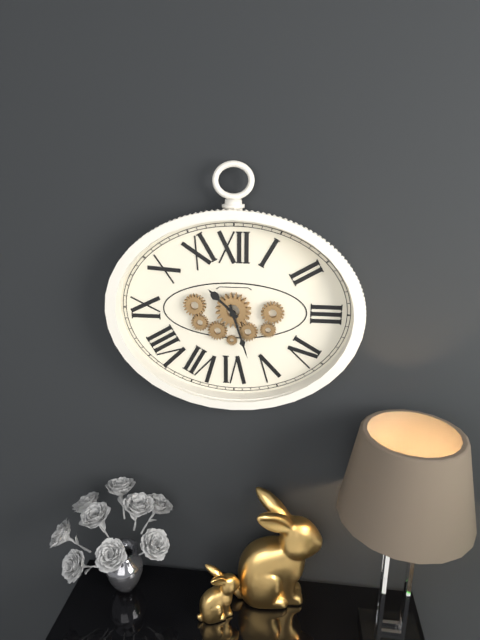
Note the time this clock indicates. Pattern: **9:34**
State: **10:27**
